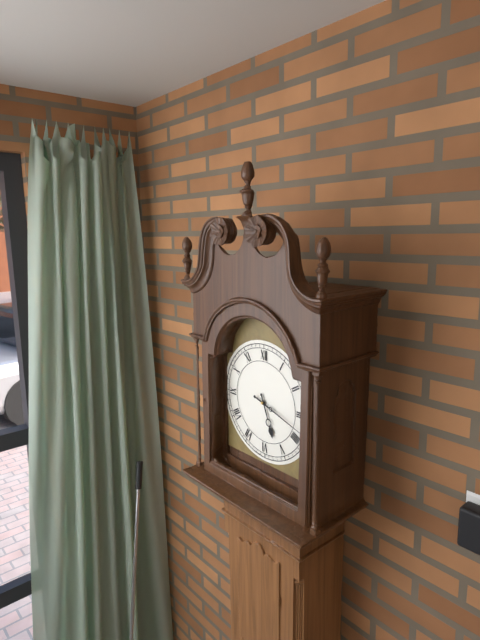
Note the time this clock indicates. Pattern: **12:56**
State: **5:18**
